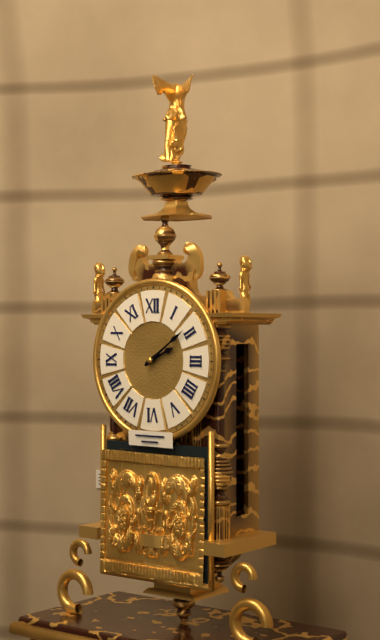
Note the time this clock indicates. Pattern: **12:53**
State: **2:09**
